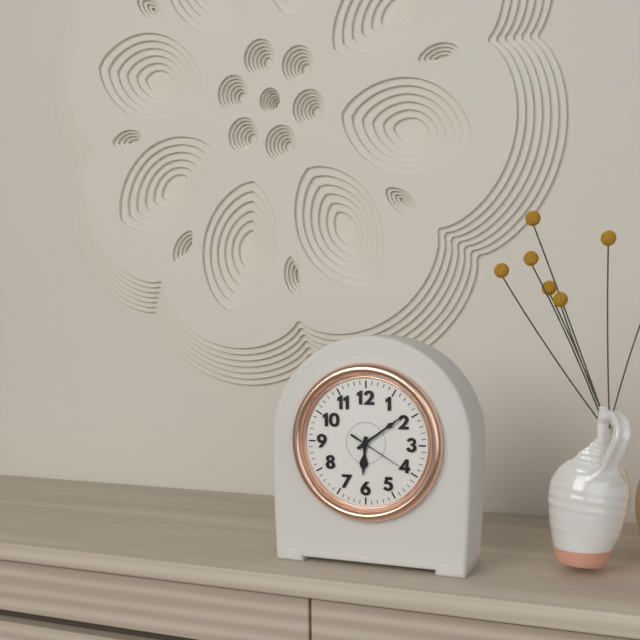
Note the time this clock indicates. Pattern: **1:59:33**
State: **6:09:20**
